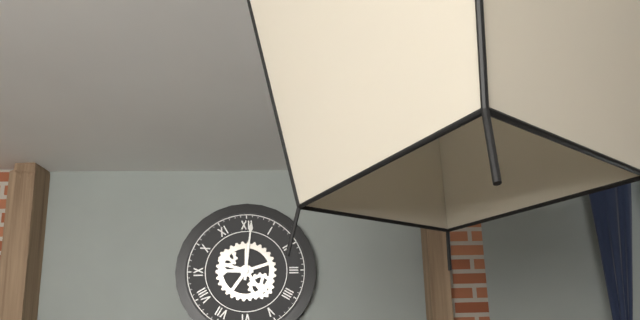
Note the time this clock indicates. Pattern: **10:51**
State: **9:01**
